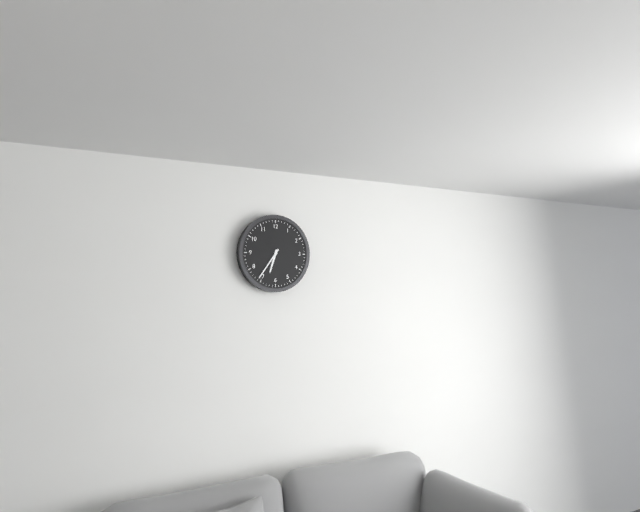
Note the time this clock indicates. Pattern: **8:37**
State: **6:36**
